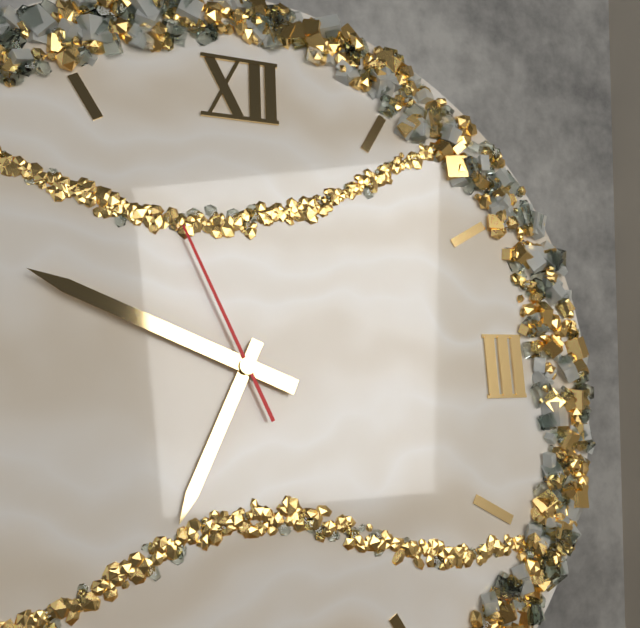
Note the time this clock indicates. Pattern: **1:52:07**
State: **6:49:56**
